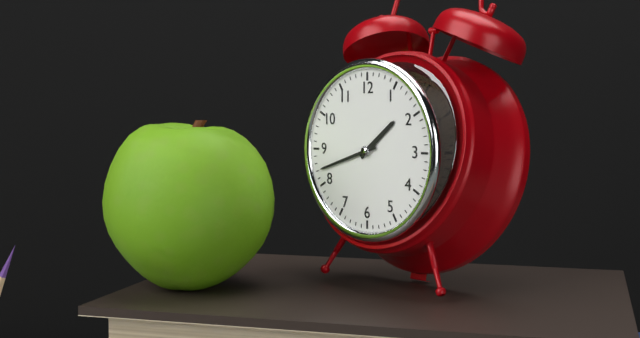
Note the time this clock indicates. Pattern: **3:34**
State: **1:42**
